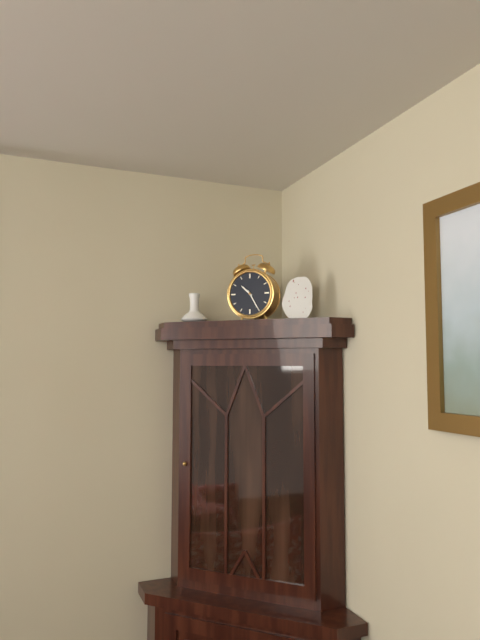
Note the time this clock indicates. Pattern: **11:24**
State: **10:25**
